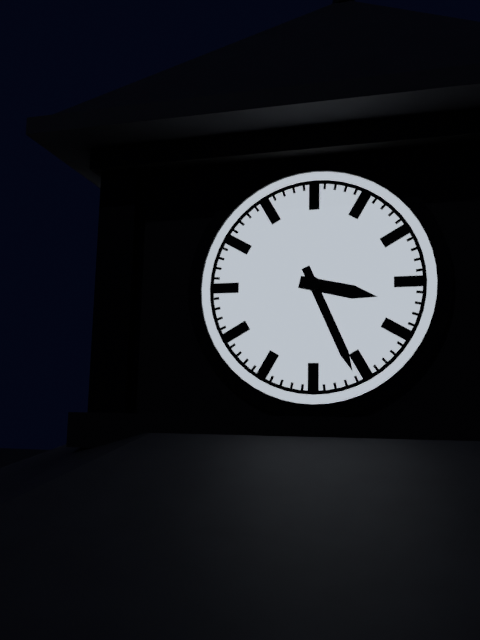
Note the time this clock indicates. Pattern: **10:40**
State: **3:26**
